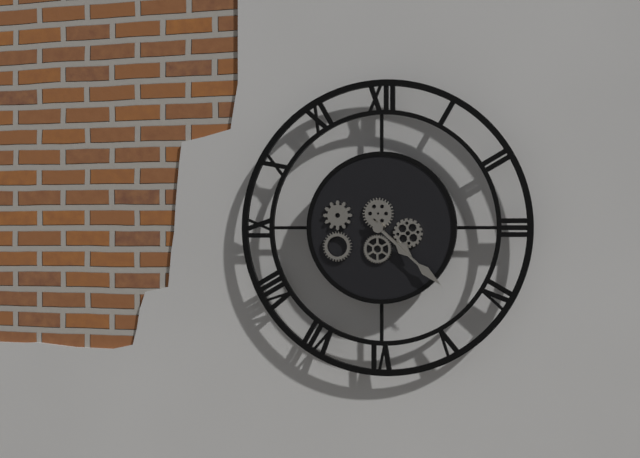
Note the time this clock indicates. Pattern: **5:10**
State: **4:22**
